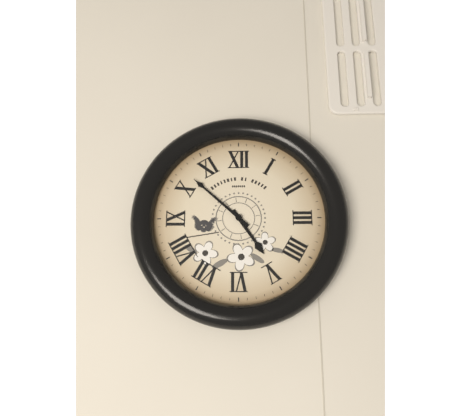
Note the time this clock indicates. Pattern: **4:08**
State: **4:52**
